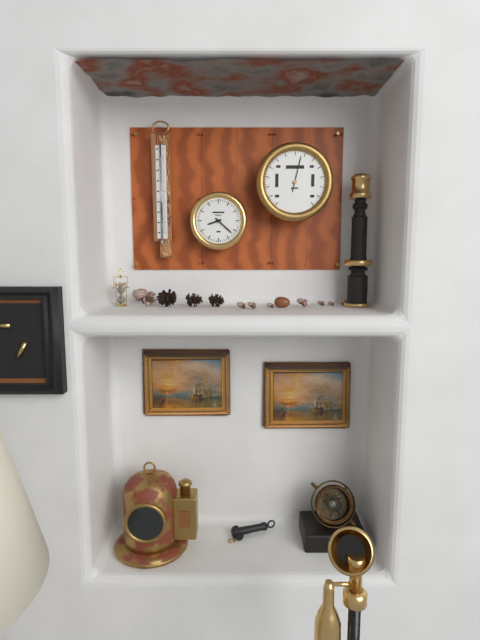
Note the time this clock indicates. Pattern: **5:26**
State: **8:22**
